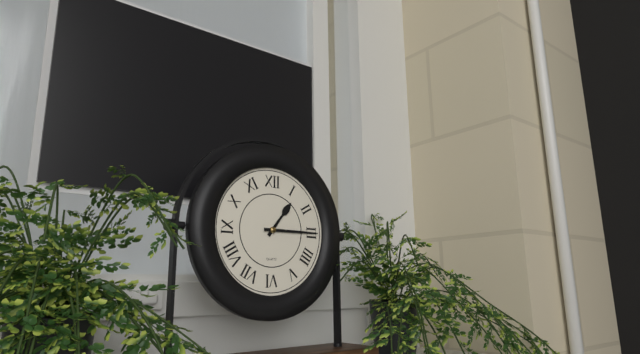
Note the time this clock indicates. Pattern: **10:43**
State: **1:15**
